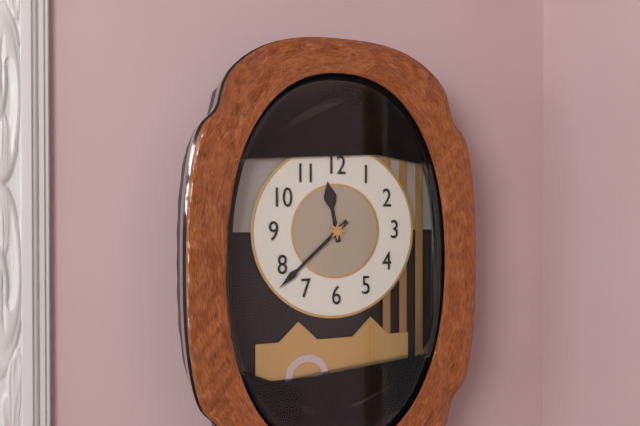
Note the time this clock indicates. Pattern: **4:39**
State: **11:38**
